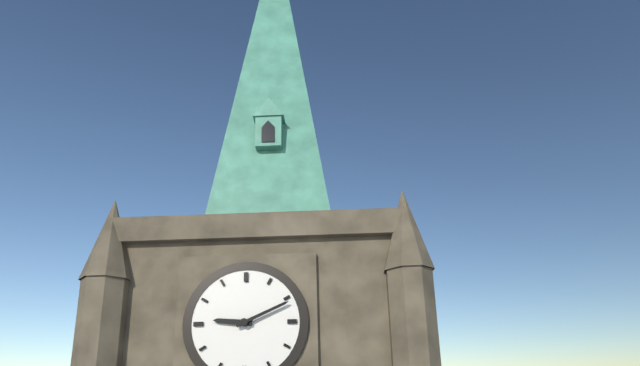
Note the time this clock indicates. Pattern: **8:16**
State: **9:11**
